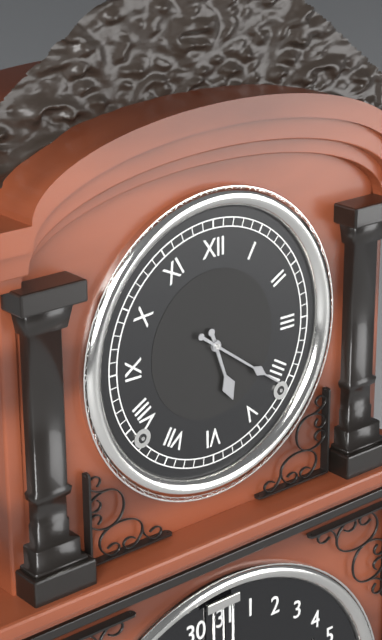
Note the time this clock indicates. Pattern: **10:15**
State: **5:21**
